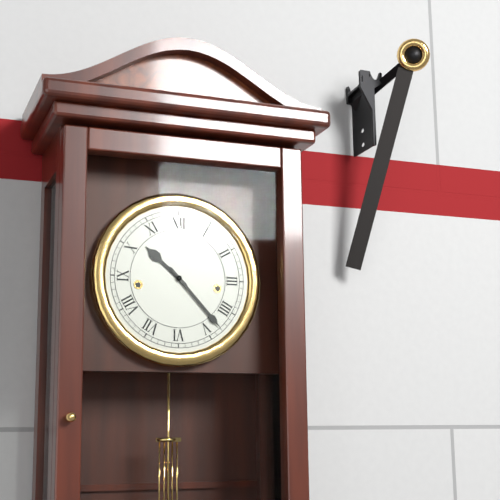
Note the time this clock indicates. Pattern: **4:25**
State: **10:23**
